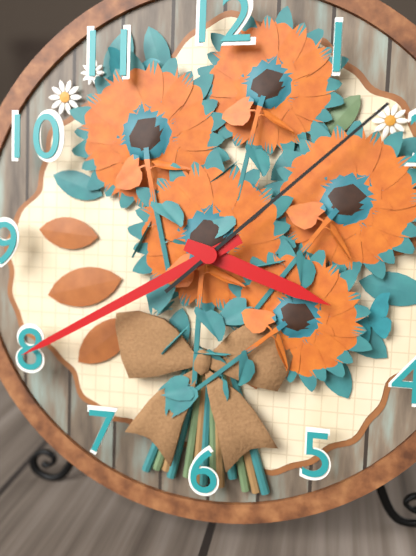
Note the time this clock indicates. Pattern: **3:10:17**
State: **3:40:08**
